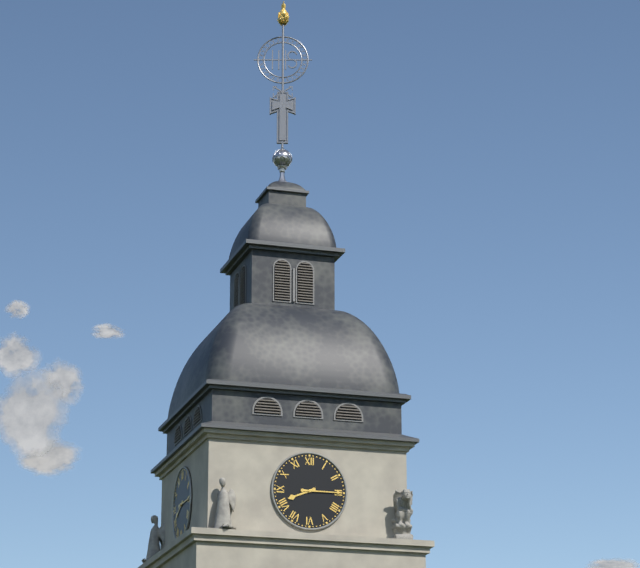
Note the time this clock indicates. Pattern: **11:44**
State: **8:15**
